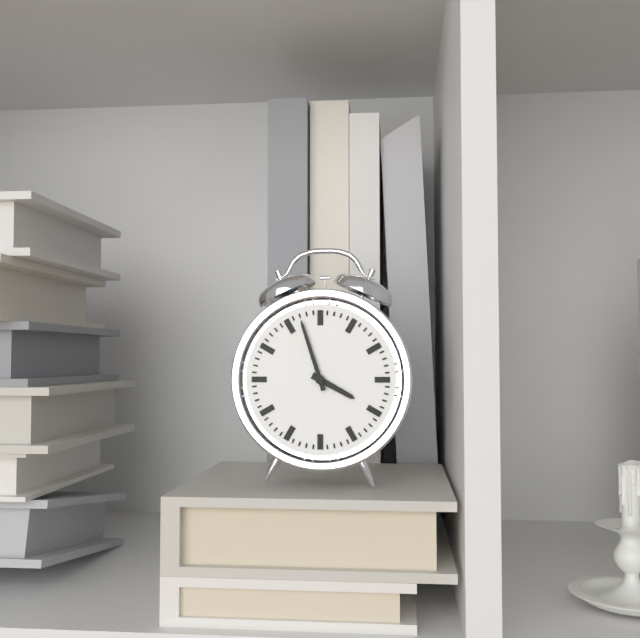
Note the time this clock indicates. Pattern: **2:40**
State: **3:57**
